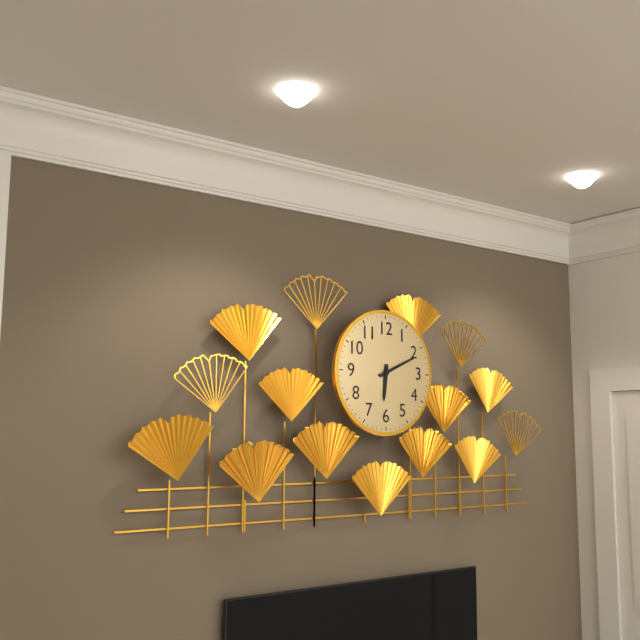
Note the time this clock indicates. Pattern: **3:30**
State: **6:11**
